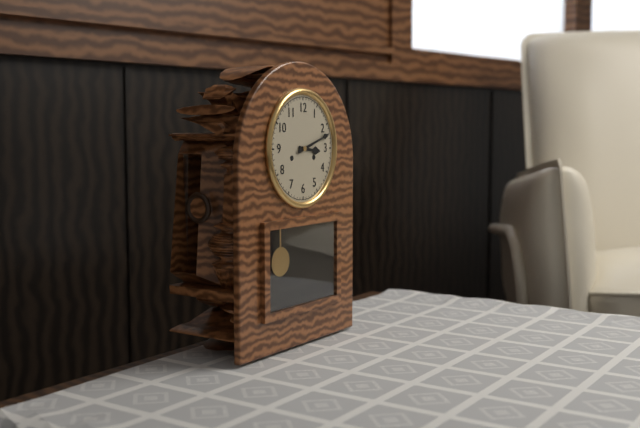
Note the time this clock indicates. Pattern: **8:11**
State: **3:12**
